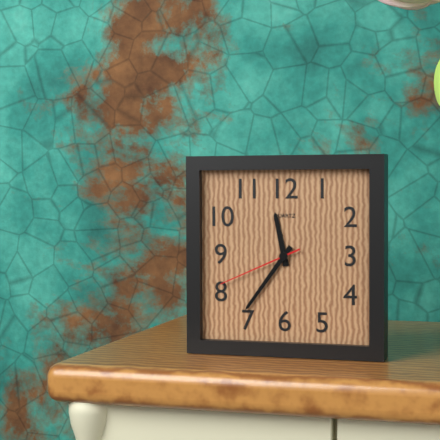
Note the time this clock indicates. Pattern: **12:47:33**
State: **11:36:41**
